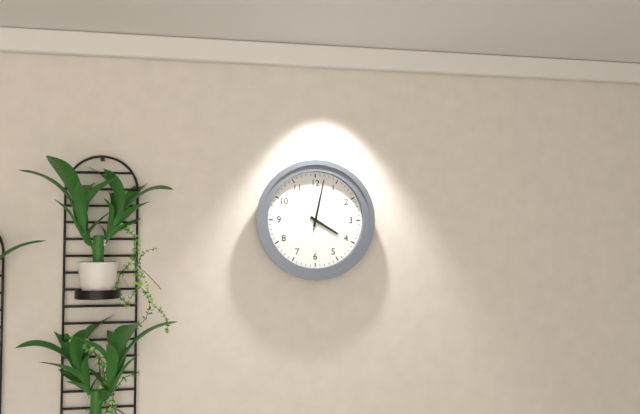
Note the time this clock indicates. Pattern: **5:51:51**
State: **4:02:02**
